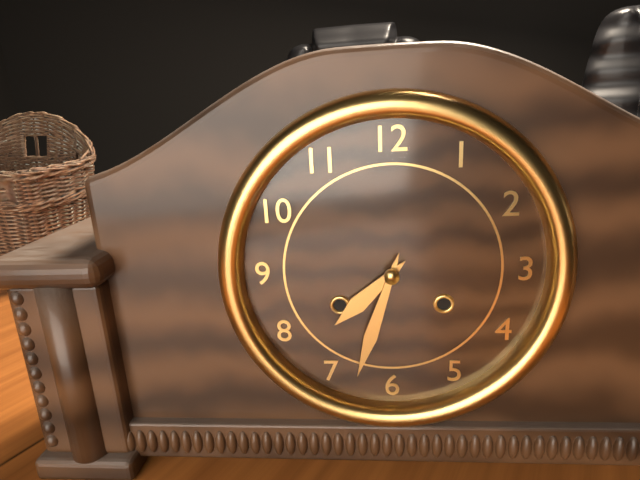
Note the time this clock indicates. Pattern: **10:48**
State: **7:33**
